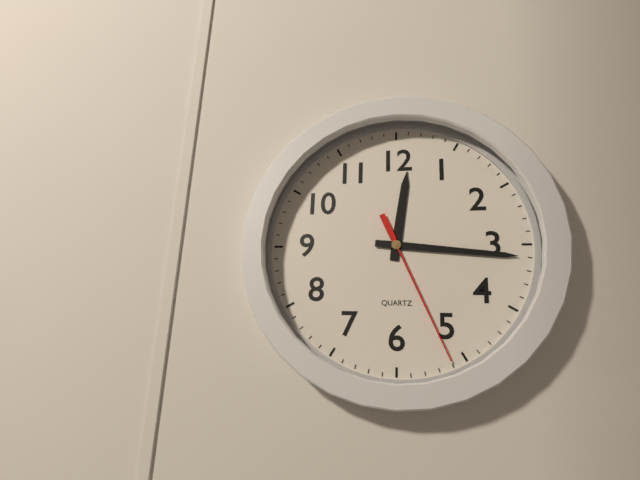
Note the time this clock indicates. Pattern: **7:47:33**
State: **12:16:26**
